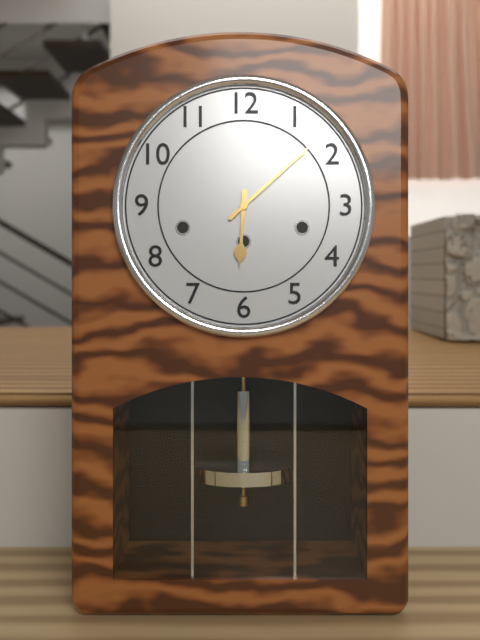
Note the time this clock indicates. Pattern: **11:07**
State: **6:08**
